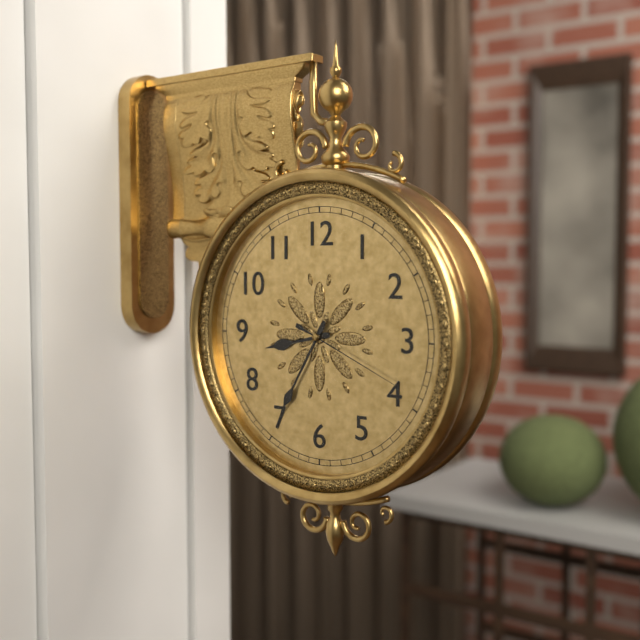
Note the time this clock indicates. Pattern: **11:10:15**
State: **8:35:19**
